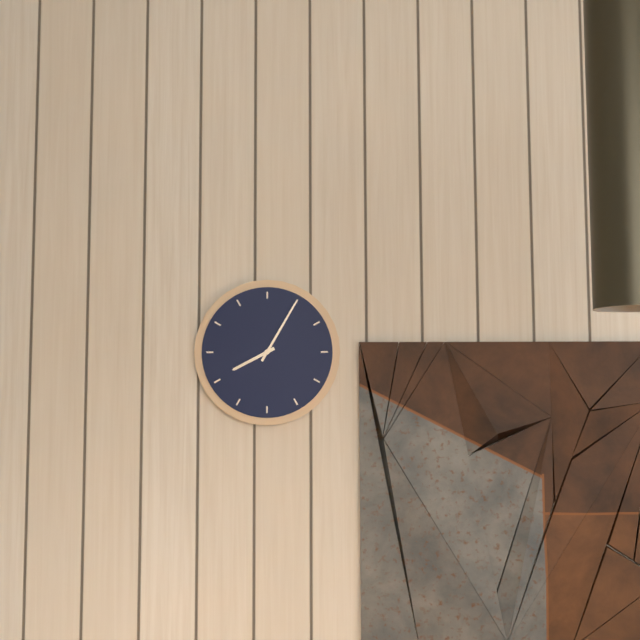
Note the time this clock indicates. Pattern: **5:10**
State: **8:05**
